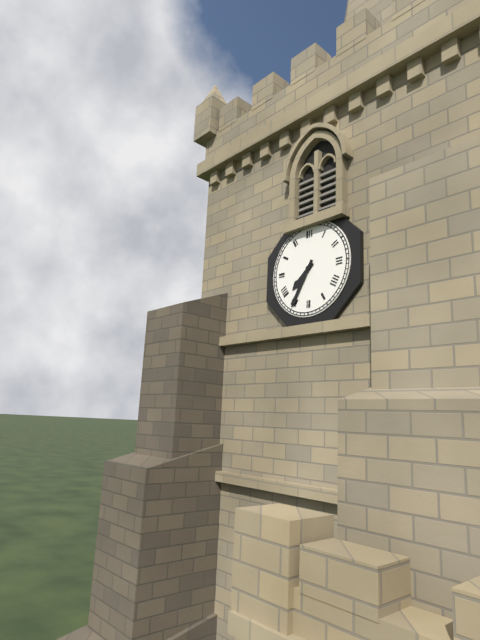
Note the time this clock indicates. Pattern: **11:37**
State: **7:35**
